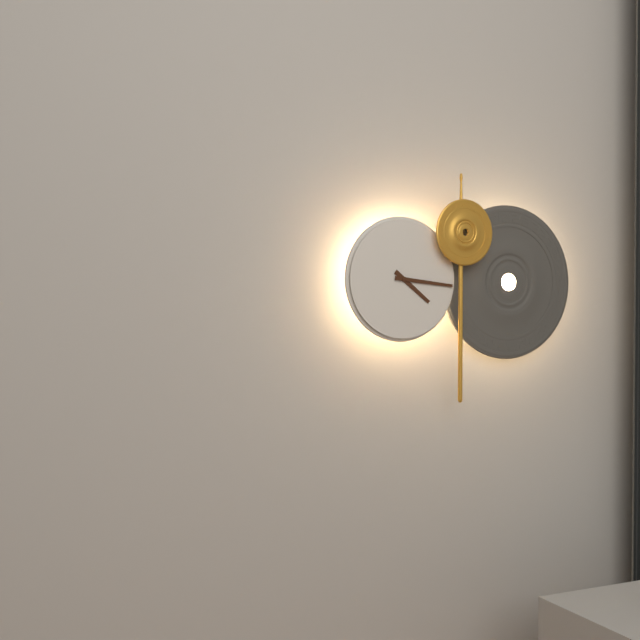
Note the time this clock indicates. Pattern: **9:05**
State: **4:16**
